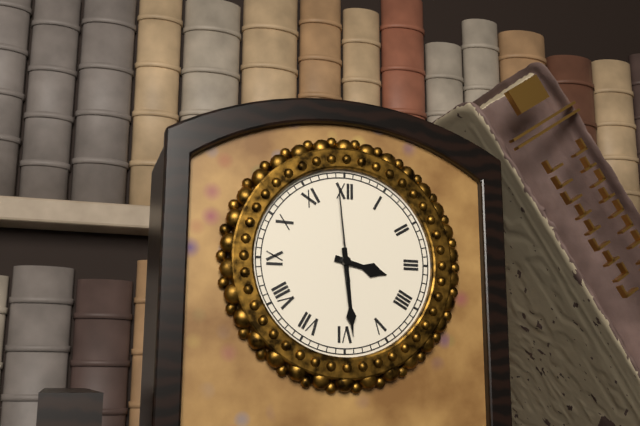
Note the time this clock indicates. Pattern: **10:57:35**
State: **3:29:59**
